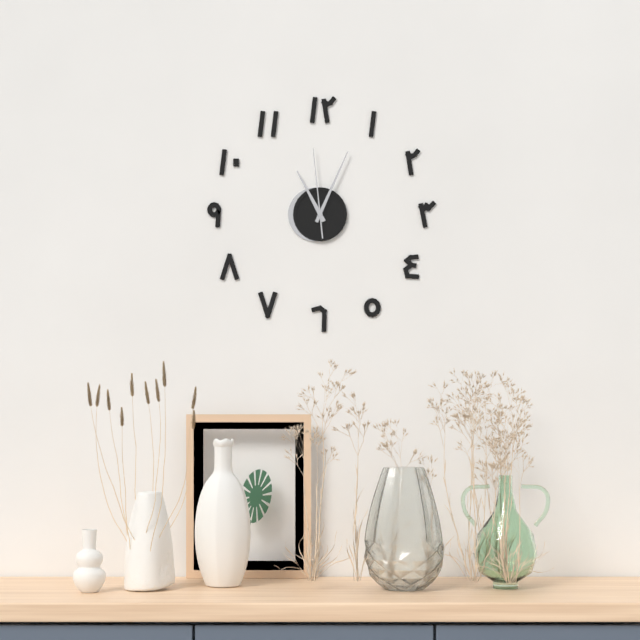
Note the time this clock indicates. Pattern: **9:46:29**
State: **11:04:59**
